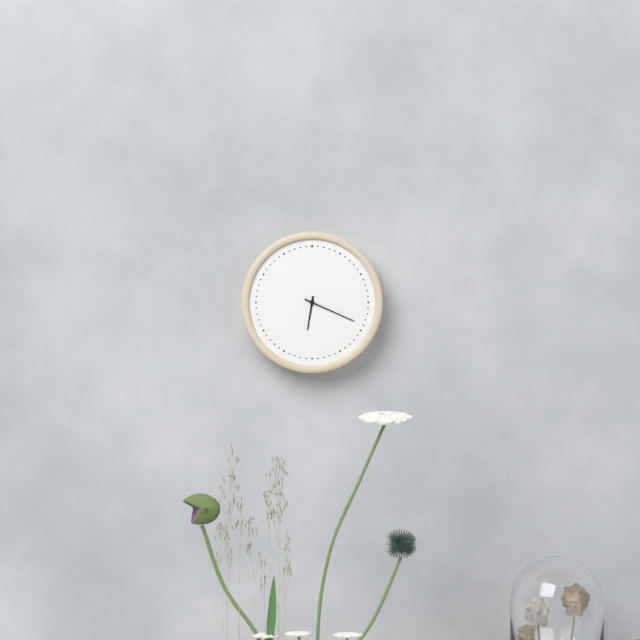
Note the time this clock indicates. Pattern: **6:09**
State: **6:19**
